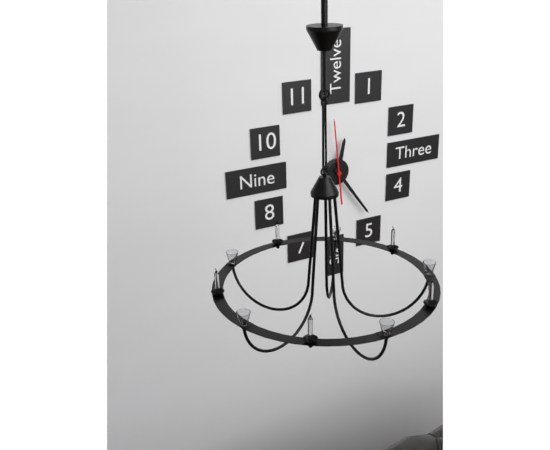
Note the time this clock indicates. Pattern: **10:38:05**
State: **12:24:59**
